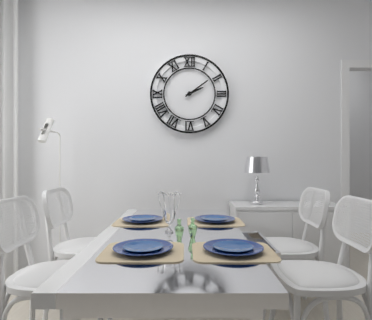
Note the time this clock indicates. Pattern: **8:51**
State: **2:09**
